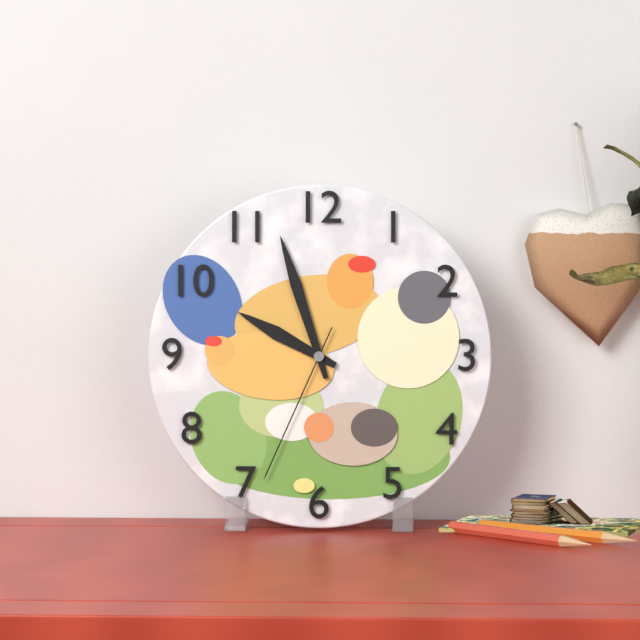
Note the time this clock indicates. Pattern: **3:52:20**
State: **9:57:34**
